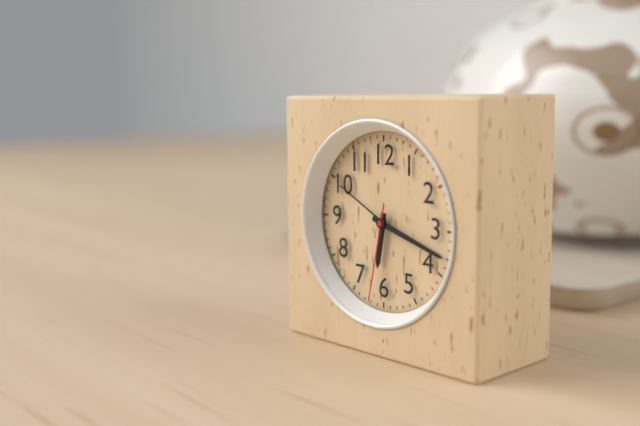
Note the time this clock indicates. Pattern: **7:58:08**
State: **6:18:32**
